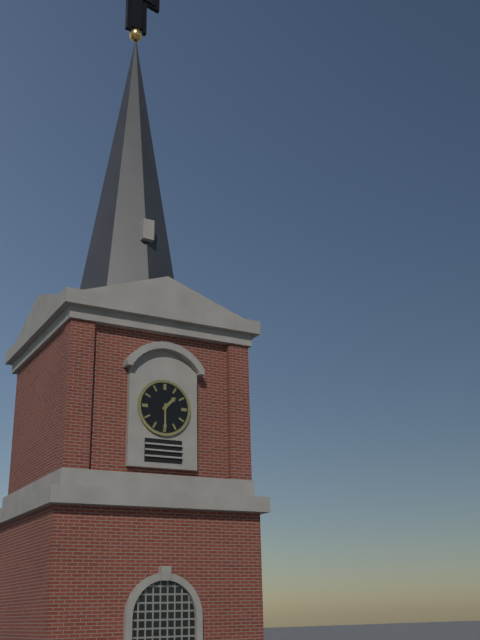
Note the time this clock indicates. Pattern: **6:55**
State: **1:30**
